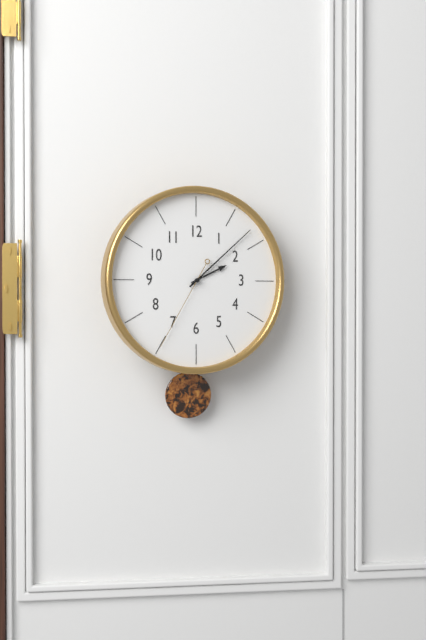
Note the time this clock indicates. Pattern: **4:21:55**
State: **2:08:35**
